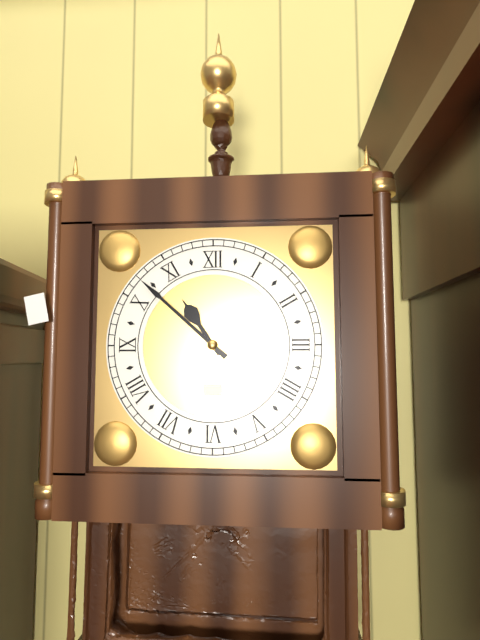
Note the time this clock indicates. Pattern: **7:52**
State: **10:52**
